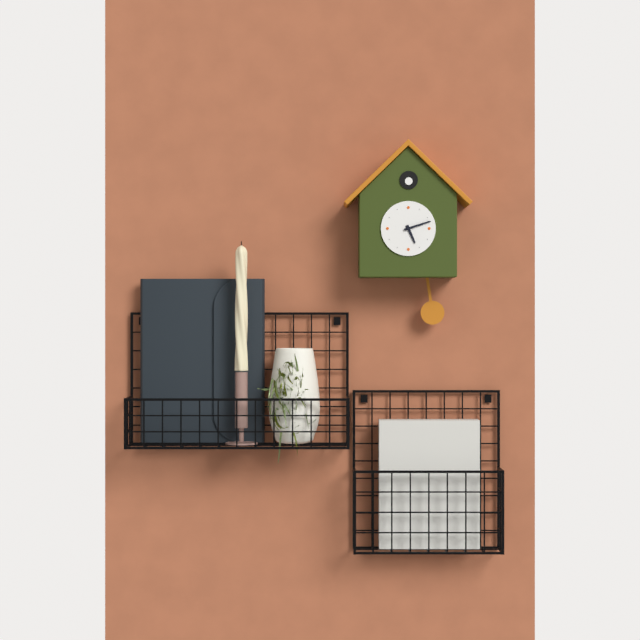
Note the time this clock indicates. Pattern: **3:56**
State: **5:12**
